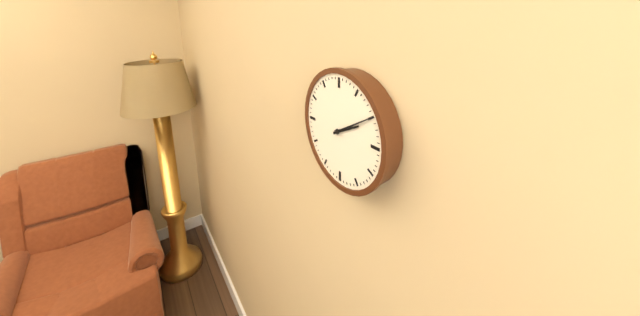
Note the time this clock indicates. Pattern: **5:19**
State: **2:10**
